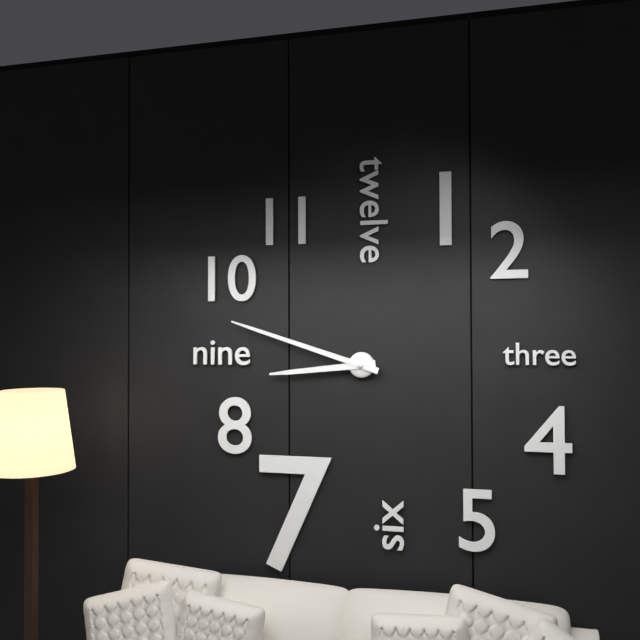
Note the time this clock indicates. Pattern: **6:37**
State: **8:48**
